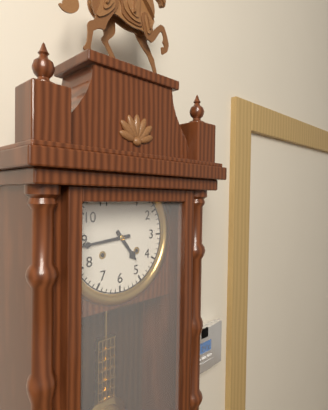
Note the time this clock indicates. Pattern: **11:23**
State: **4:44**
